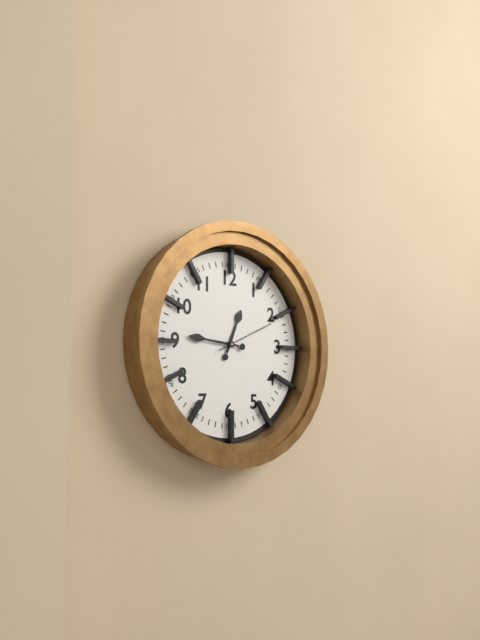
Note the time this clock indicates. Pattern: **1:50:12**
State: **12:46:11**
